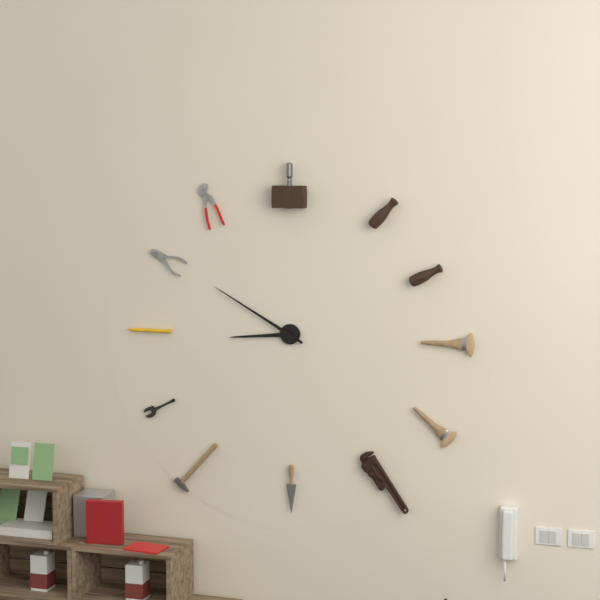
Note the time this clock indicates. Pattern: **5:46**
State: **8:50**
